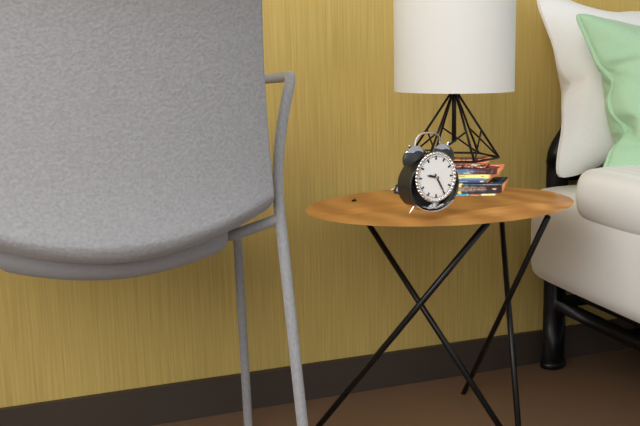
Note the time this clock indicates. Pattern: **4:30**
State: **9:25**
